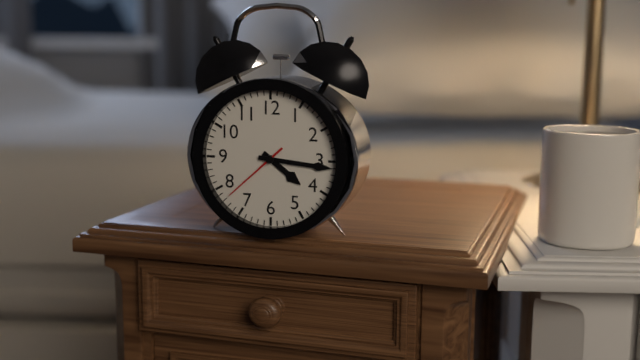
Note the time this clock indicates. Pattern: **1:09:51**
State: **4:16:38**
